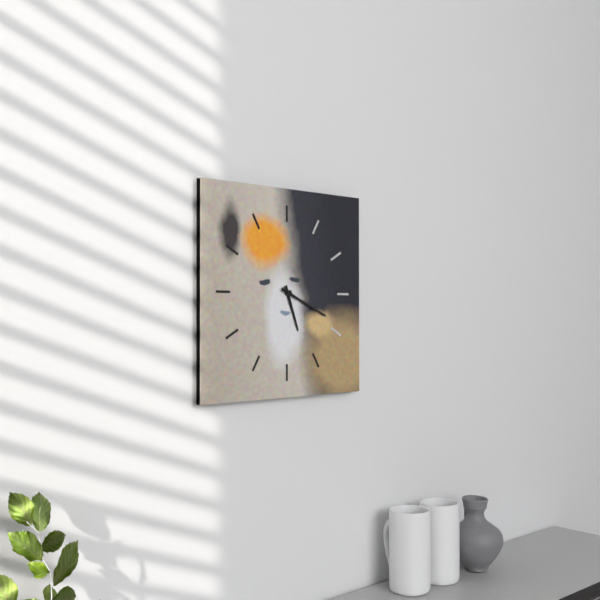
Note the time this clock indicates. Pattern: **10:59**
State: **5:19**
